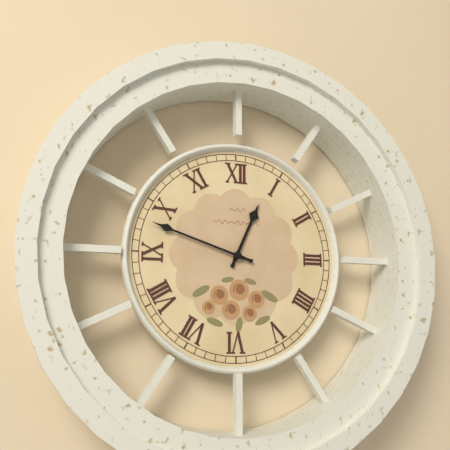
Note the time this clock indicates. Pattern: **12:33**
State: **12:48**
